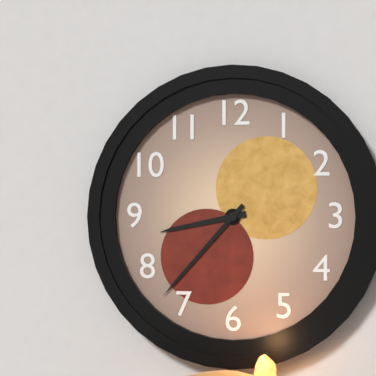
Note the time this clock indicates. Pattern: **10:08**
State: **8:37**
